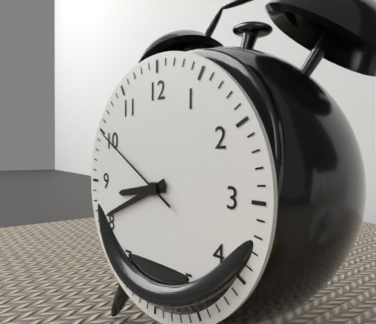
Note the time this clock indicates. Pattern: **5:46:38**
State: **8:41:50**
